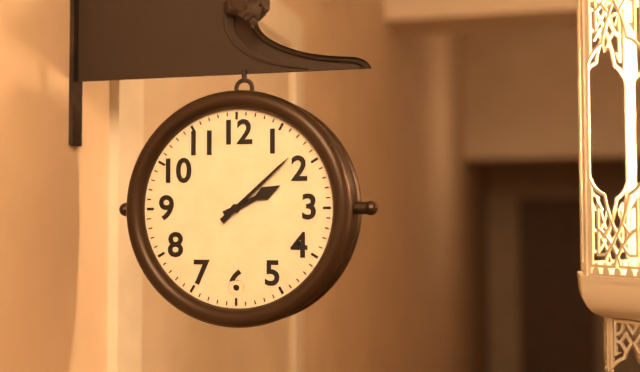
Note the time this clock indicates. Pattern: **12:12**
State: **2:08**
